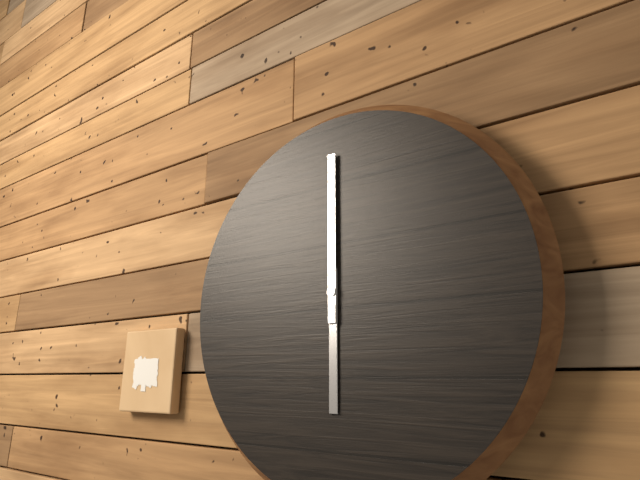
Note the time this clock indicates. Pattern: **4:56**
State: **6:00**
